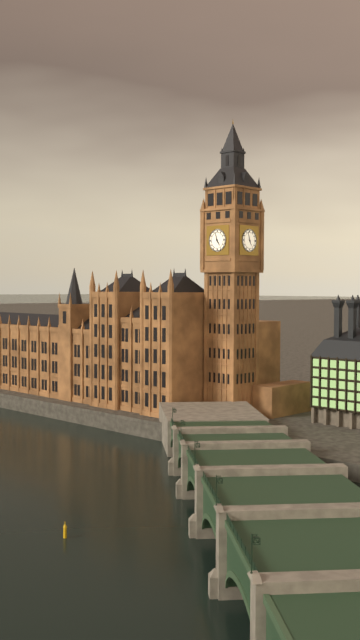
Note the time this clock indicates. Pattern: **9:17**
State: **4:57**
